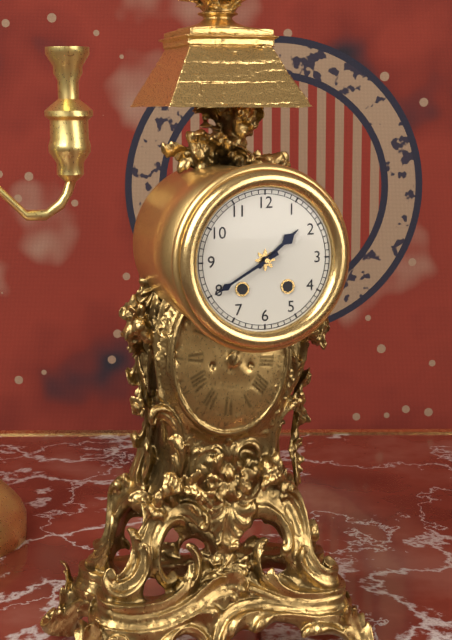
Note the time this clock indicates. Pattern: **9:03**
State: **1:40**
